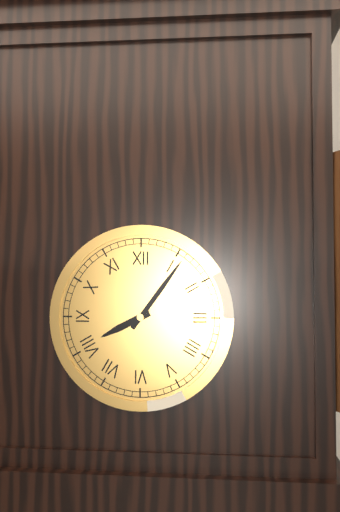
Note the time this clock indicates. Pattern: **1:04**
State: **8:06**
